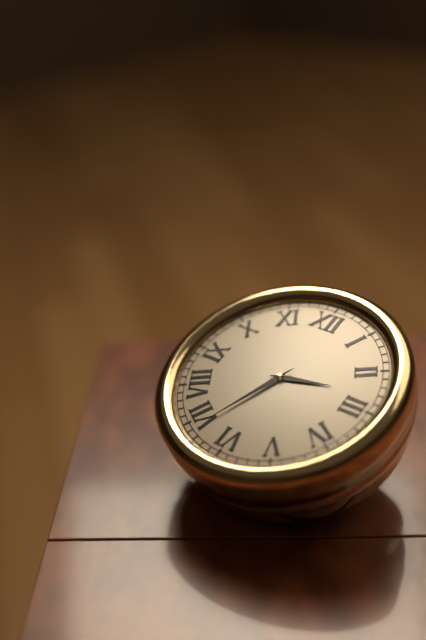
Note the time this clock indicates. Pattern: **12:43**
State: **2:34**
